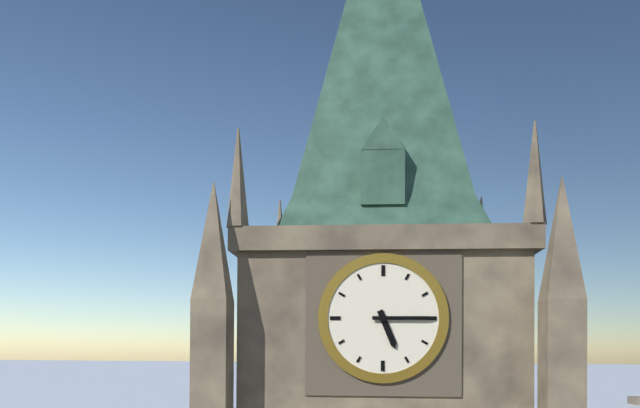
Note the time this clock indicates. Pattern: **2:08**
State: **5:15**
